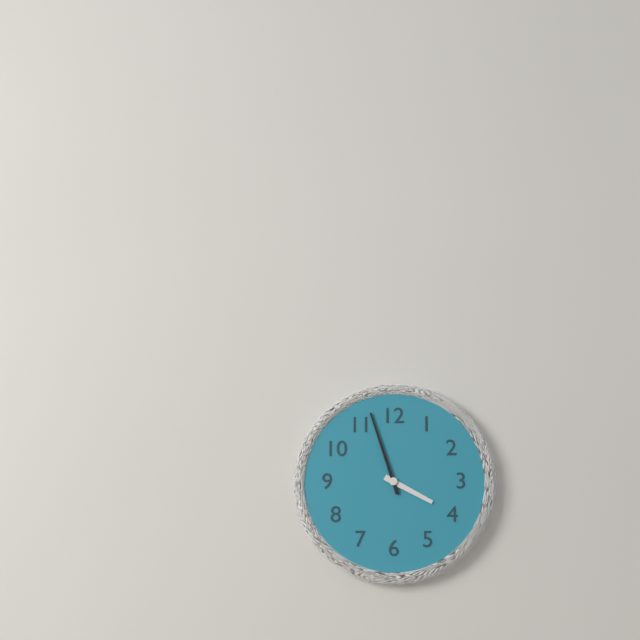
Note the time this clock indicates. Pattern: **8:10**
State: **3:57**
